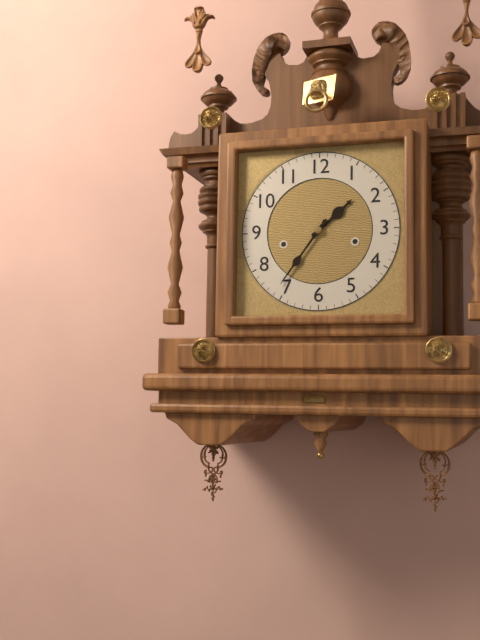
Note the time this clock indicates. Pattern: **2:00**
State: **1:36**
